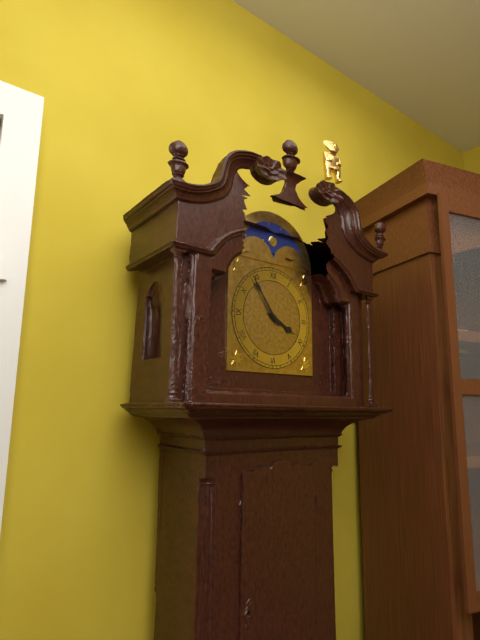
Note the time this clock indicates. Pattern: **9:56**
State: **3:54**
